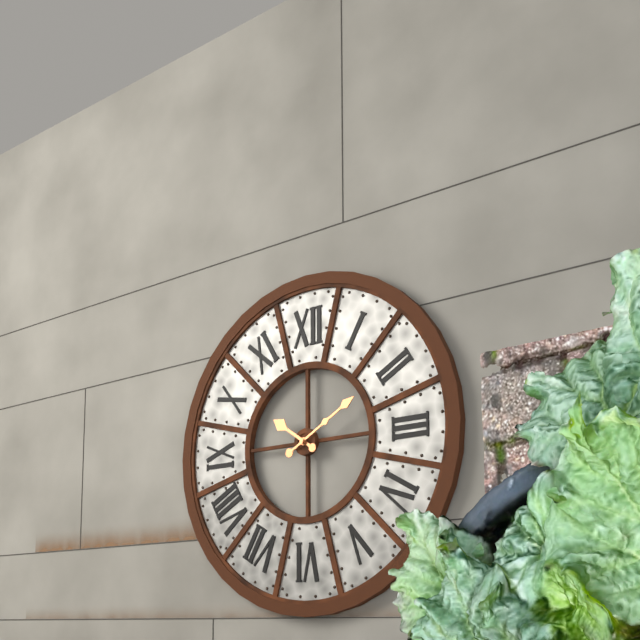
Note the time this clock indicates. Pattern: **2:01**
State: **10:10**
